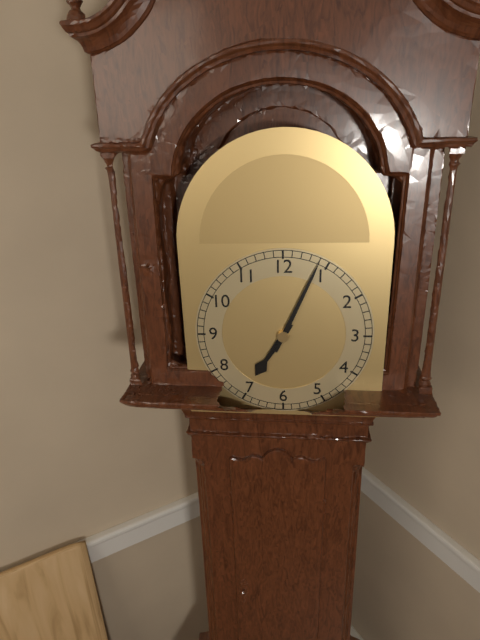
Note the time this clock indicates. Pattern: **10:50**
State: **7:04**
